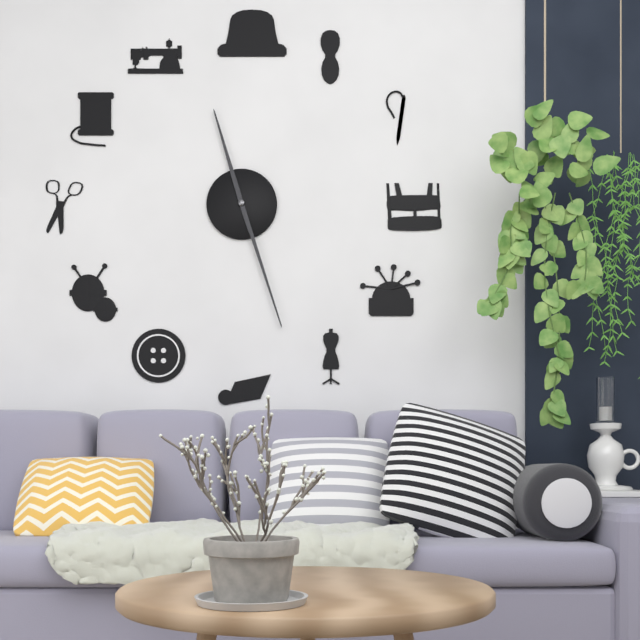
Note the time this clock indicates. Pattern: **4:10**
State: **11:27**
